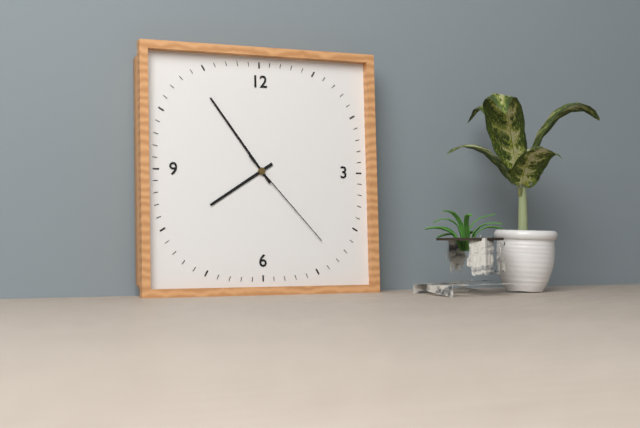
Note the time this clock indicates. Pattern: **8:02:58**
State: **7:54:23**
